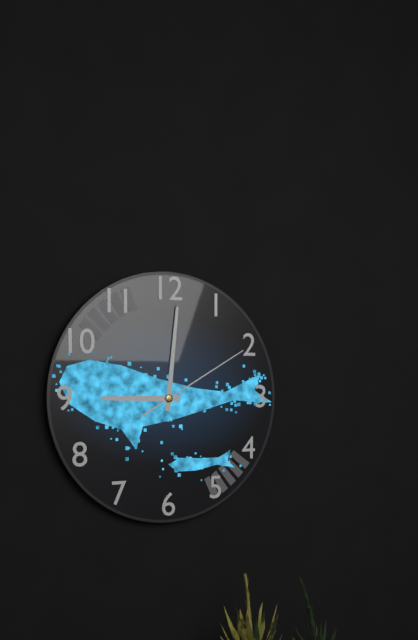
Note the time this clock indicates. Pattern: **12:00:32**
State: **9:01:10**
